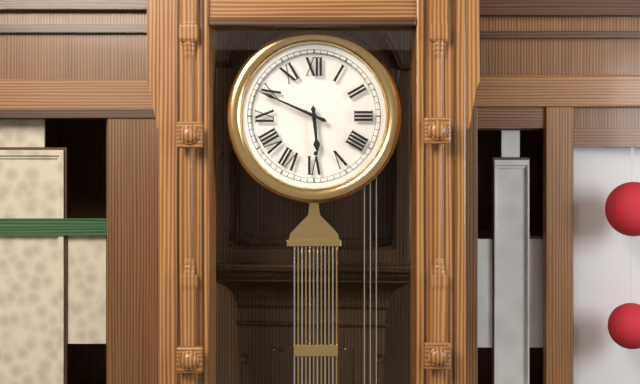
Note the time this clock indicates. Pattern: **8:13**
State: **5:49**
